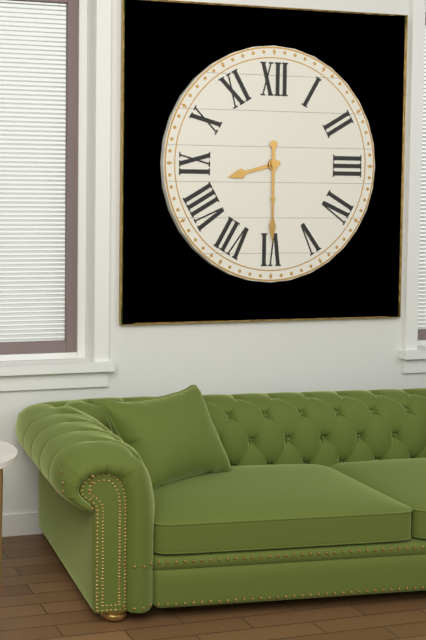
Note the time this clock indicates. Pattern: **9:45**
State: **8:30**
